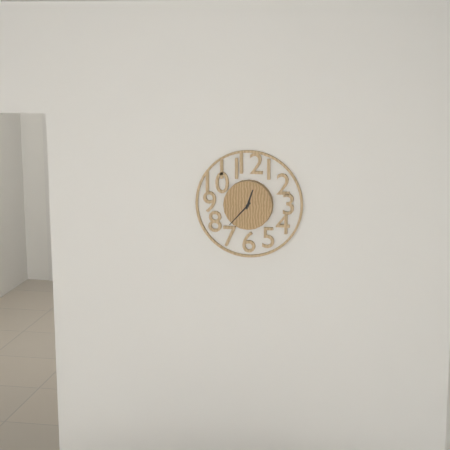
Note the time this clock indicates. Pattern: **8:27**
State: **12:37**
